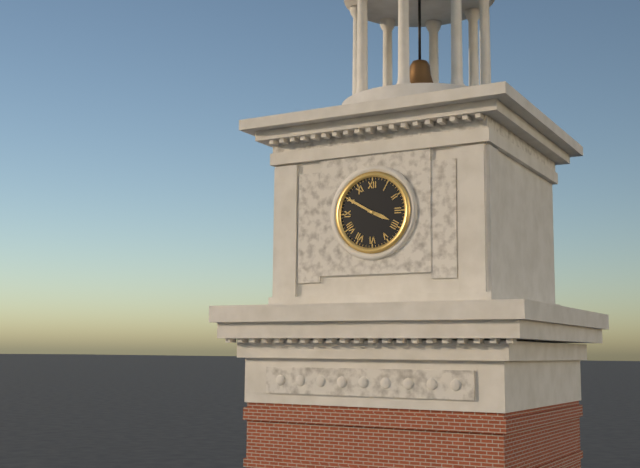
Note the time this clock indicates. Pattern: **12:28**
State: **3:50**
